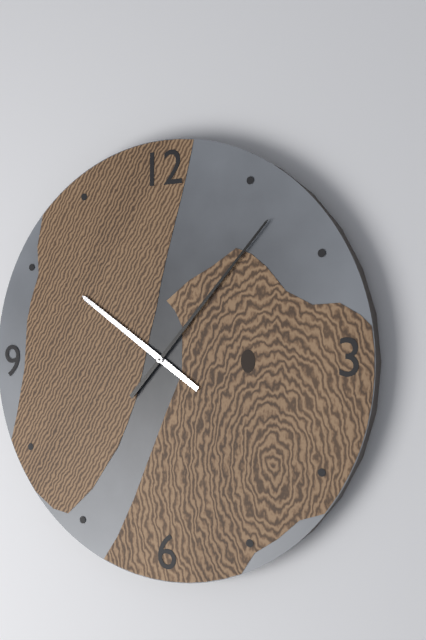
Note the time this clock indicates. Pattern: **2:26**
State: **10:07**
